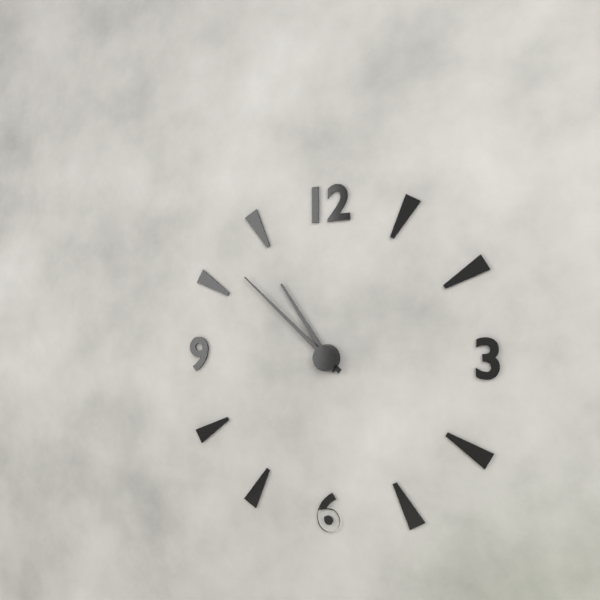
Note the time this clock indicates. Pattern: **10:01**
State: **10:52**
